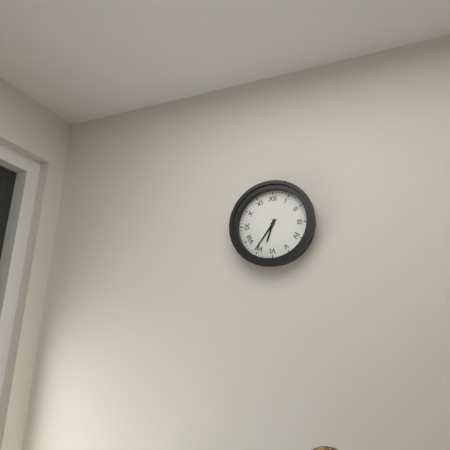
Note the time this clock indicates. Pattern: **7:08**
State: **6:36**
